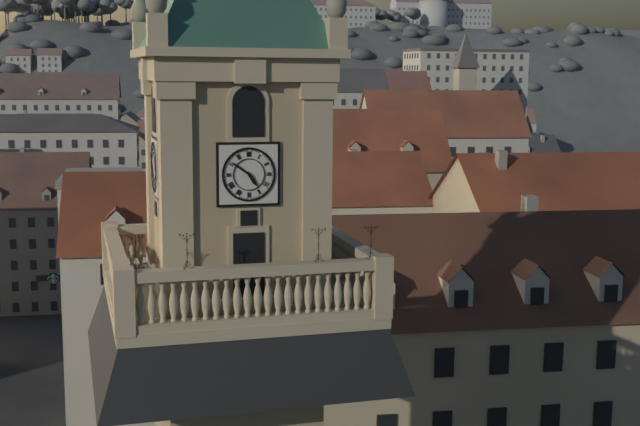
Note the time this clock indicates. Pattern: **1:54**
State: **4:51**
